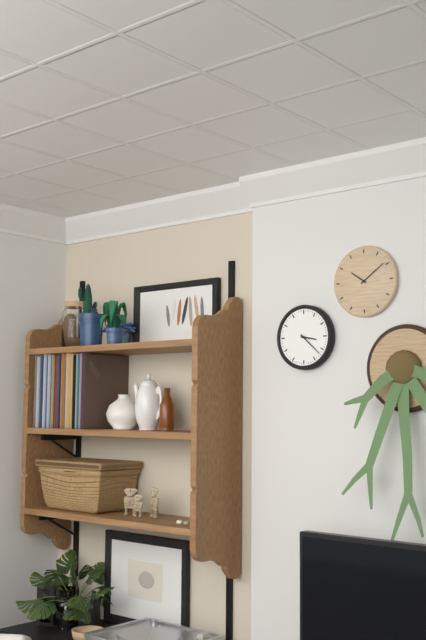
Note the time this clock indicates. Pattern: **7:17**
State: **3:22**
